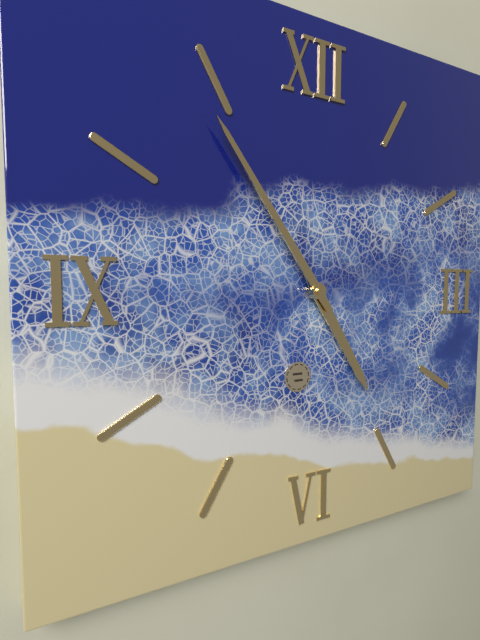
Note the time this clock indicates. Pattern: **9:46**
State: **4:54**
